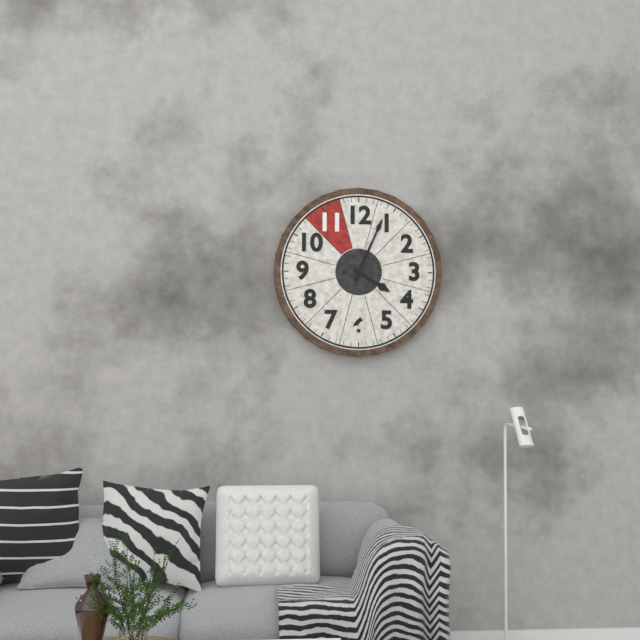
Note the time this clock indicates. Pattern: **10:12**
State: **4:04**
